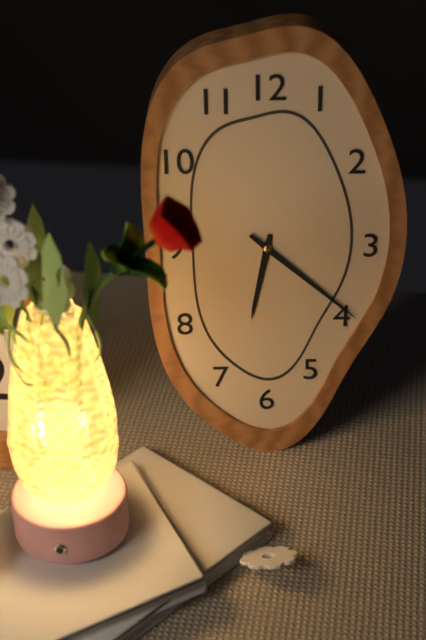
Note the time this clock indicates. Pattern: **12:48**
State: **6:22**
